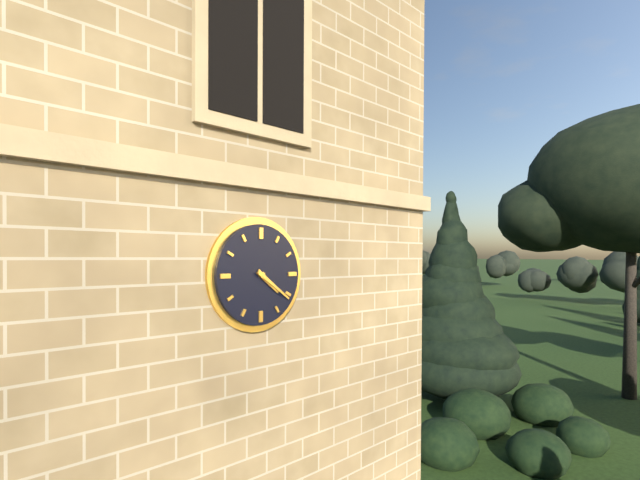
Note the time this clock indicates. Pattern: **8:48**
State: **4:21**
